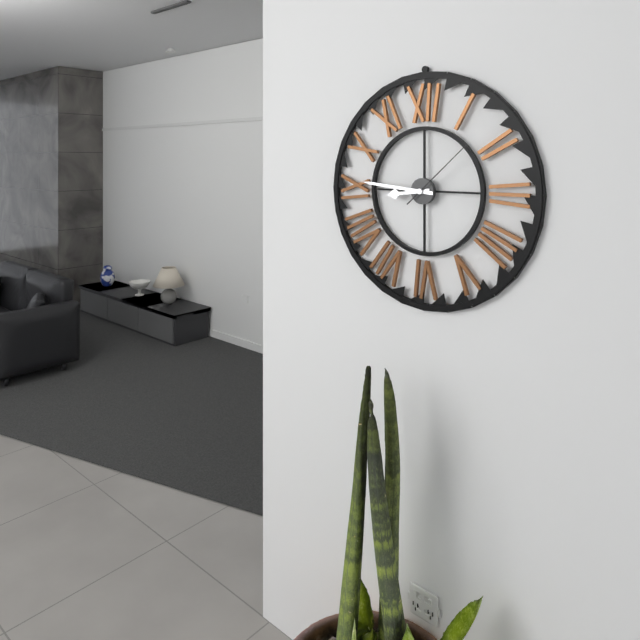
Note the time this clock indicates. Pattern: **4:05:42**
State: **8:46:08**
